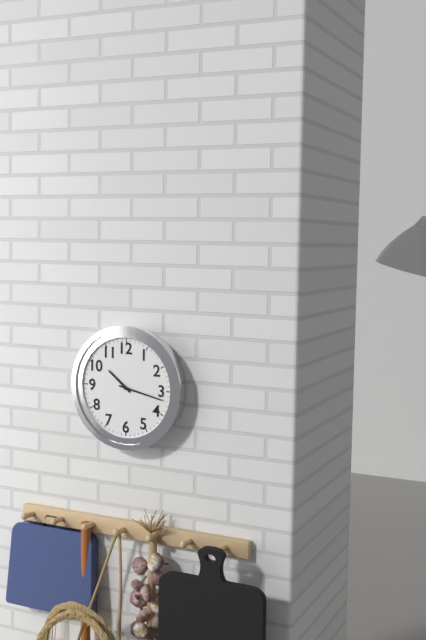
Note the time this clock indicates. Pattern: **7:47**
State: **10:17**
